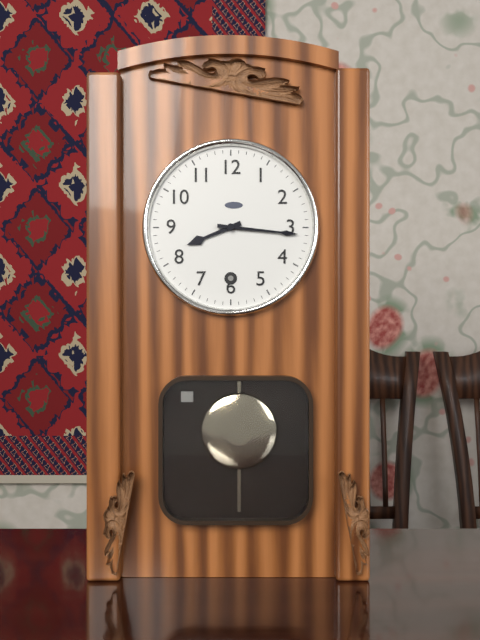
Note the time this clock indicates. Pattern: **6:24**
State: **8:16**
